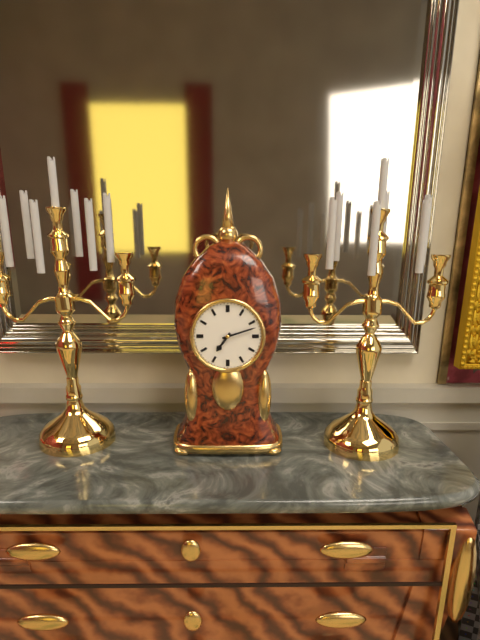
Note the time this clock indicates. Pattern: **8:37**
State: **7:12**
